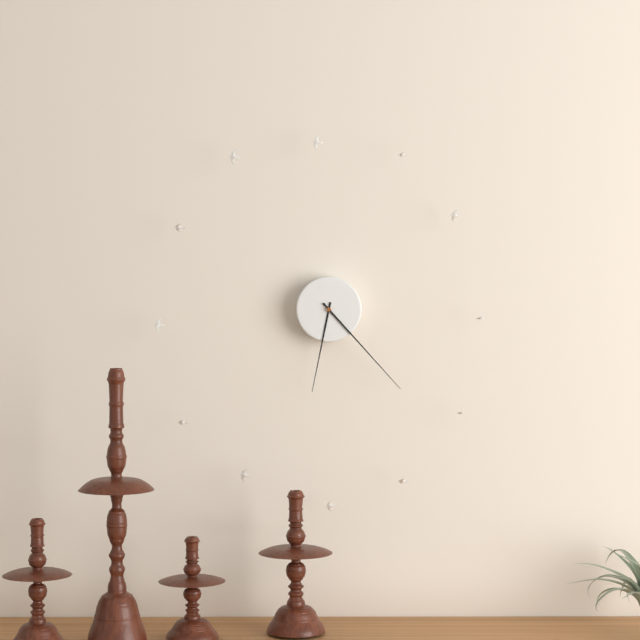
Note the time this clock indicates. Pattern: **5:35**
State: **6:23**
